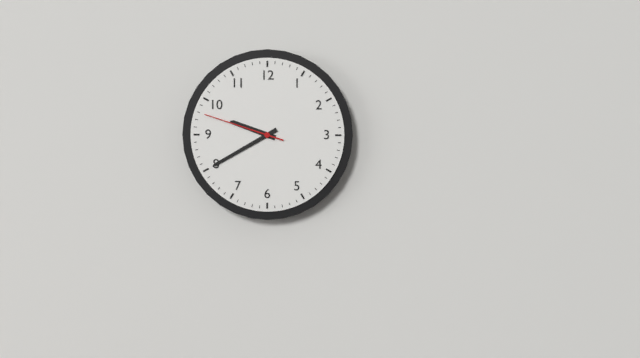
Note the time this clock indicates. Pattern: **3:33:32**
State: **9:40:48**
